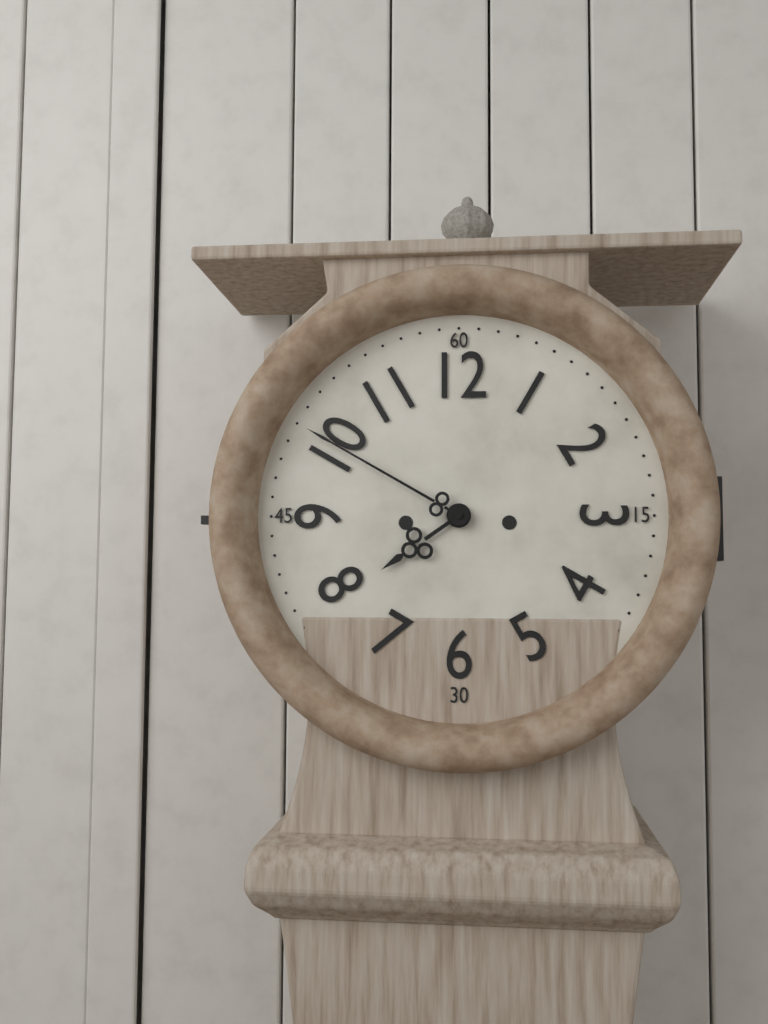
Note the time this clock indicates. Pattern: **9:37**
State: **7:50**
